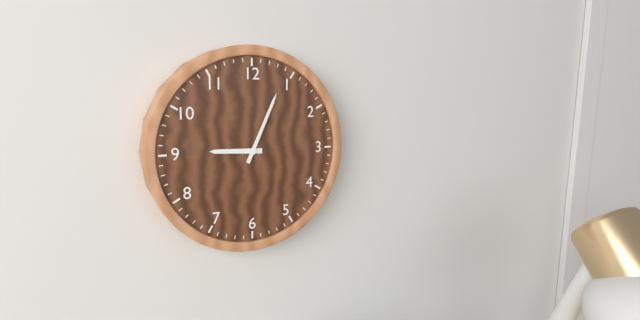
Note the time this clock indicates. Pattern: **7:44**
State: **9:04**
